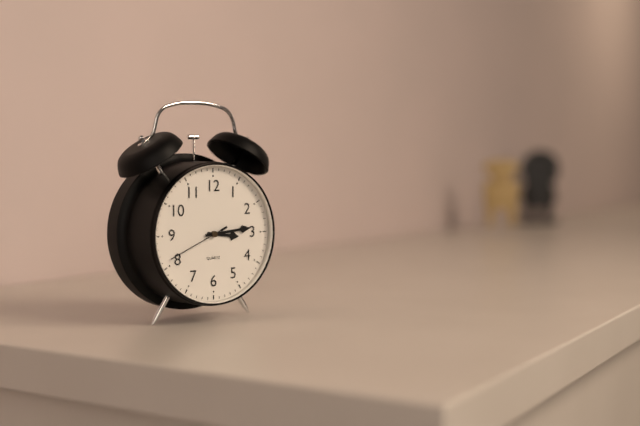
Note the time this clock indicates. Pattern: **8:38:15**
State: **3:14:41**
